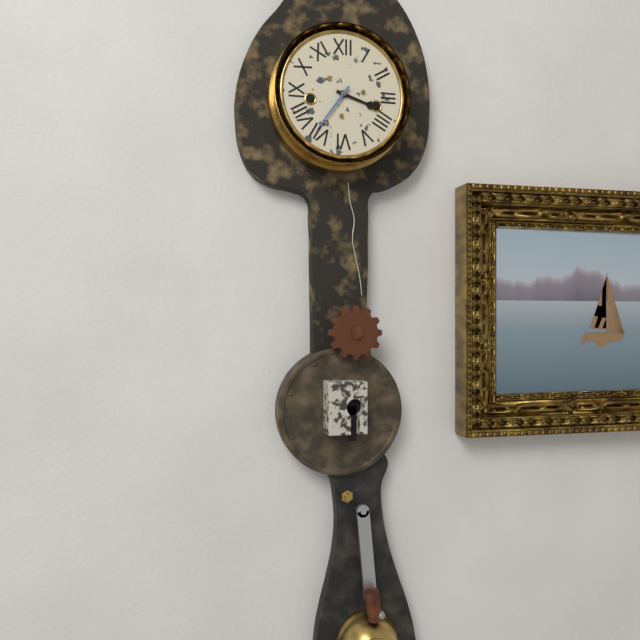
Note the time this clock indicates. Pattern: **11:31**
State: **3:36**
